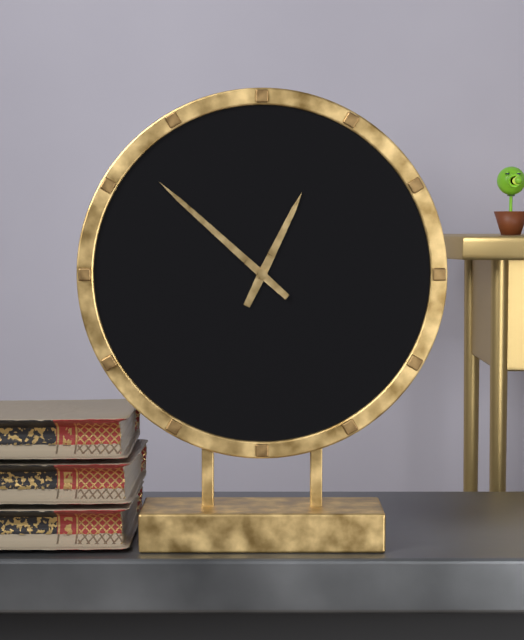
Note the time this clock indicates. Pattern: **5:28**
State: **12:52**
